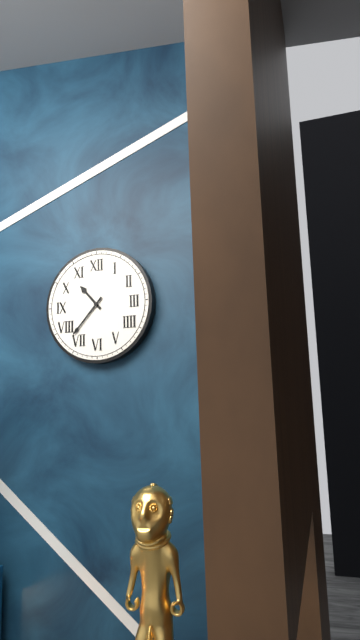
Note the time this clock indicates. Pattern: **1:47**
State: **10:37**
